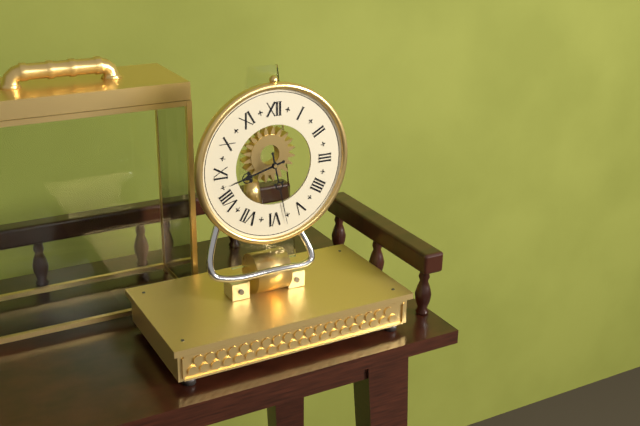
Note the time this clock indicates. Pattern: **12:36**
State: **8:28**
